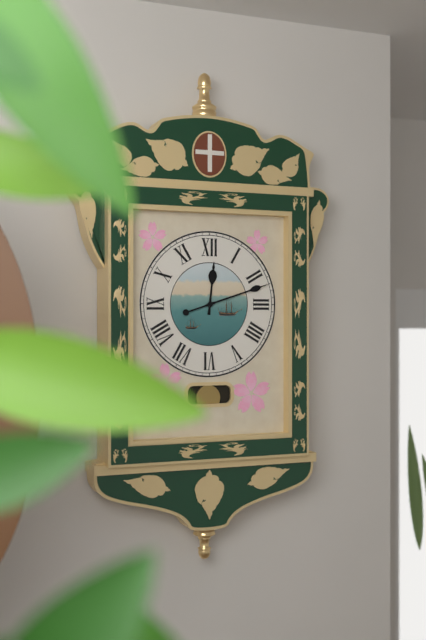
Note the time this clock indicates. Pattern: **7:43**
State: **12:12**
